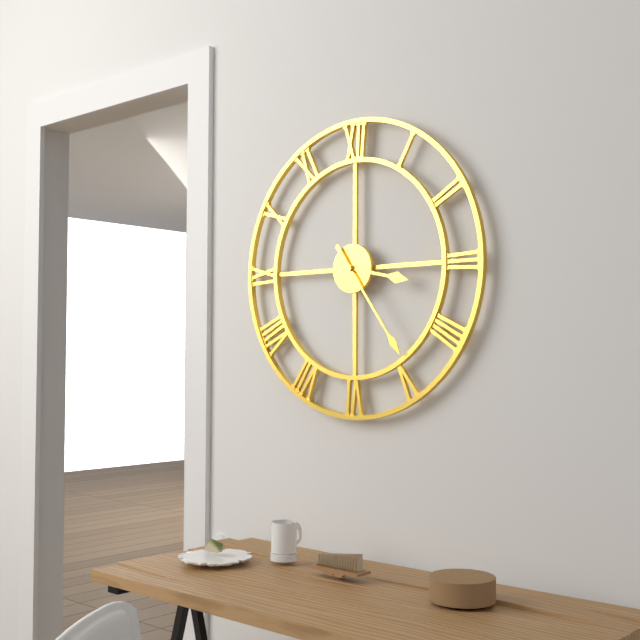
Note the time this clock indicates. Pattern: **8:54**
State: **3:24**
